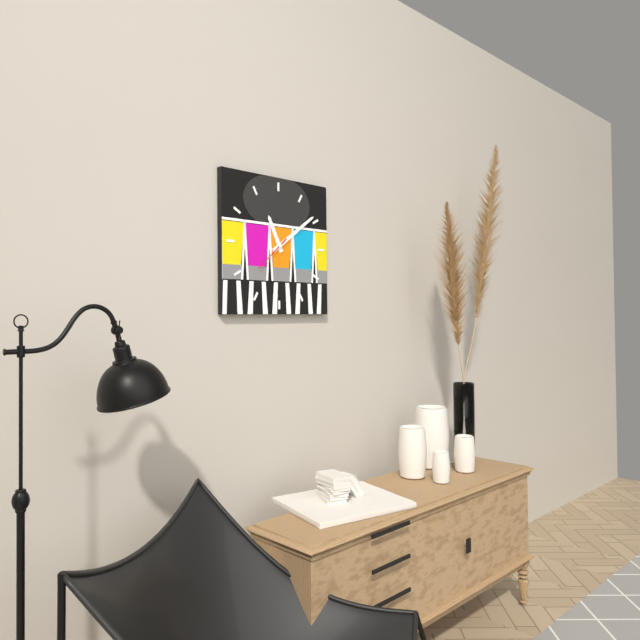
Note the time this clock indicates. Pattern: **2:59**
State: **11:09**
